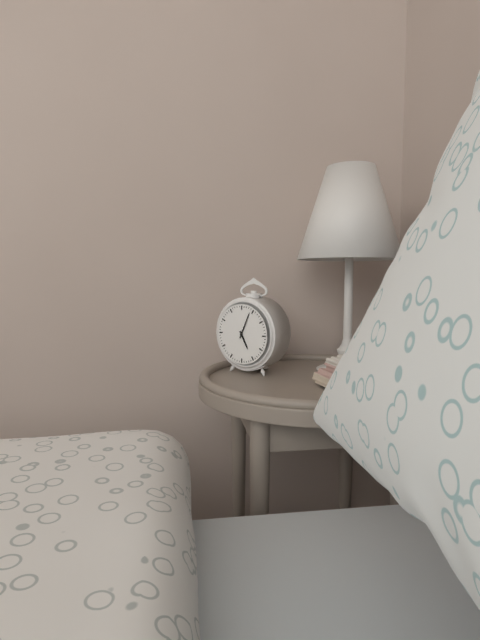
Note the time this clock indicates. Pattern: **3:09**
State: **5:04**
